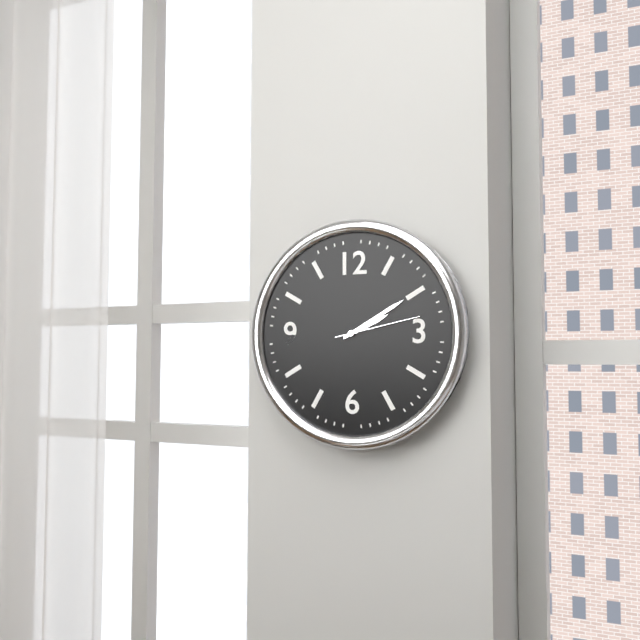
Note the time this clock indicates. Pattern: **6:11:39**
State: **2:10:13**
